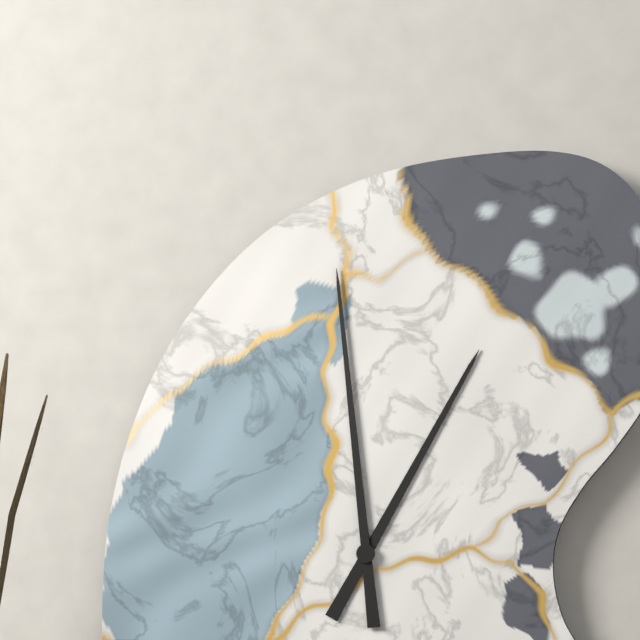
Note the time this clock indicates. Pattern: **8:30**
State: **12:59**
